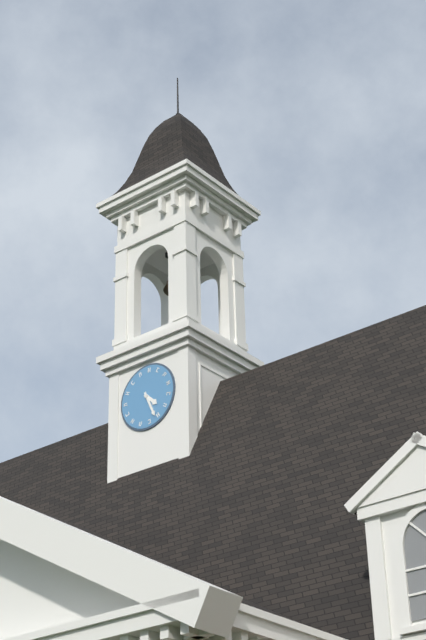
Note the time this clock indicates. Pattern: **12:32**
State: **4:26**
